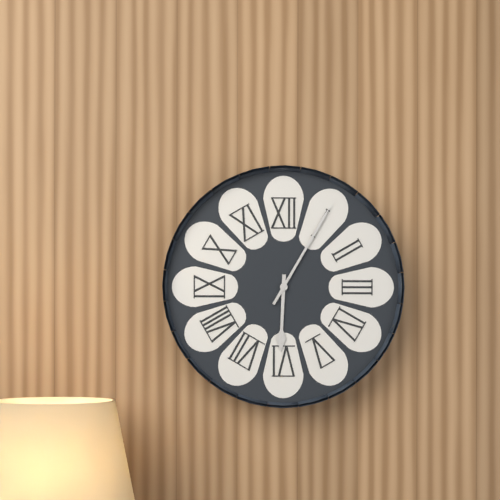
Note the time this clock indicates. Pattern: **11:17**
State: **6:05**
